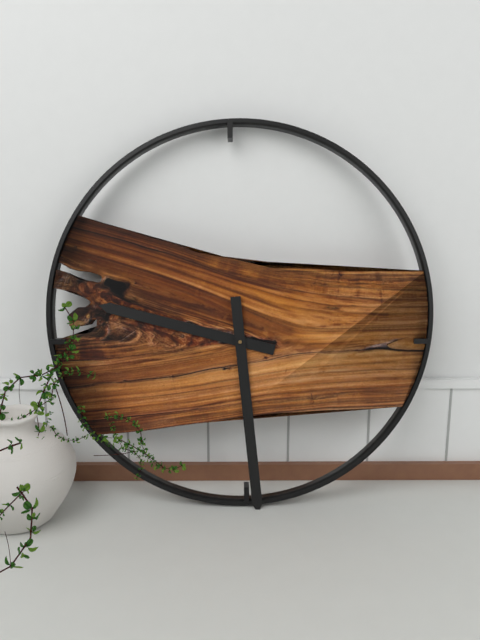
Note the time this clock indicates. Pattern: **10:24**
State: **9:29**
